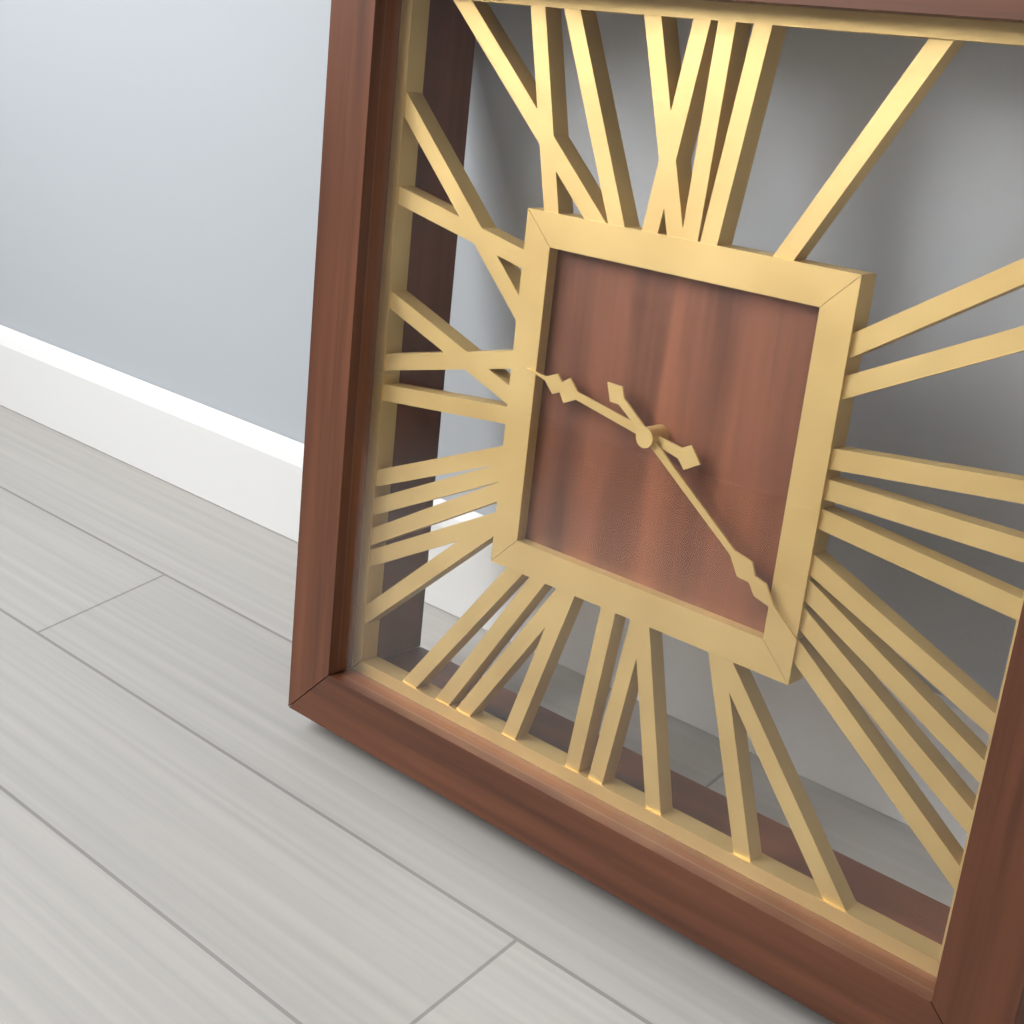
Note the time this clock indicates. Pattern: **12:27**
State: **9:21**
